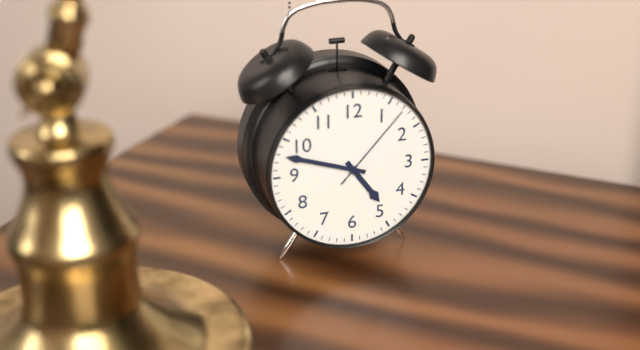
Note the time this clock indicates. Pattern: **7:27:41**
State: **4:48:07**
